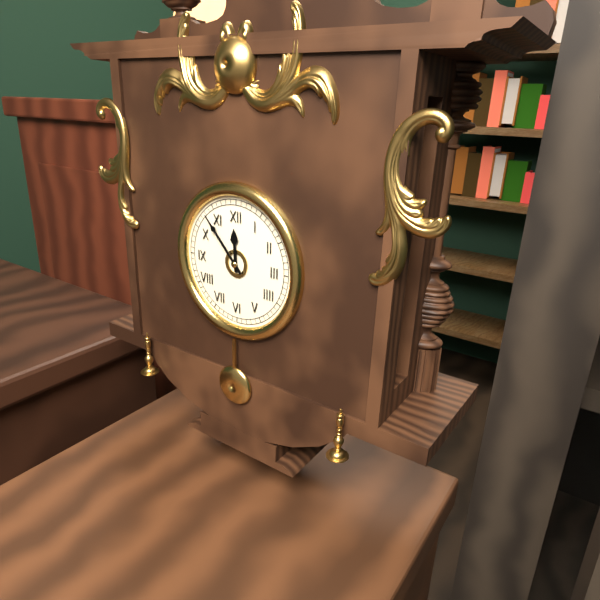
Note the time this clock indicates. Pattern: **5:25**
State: **11:53**
